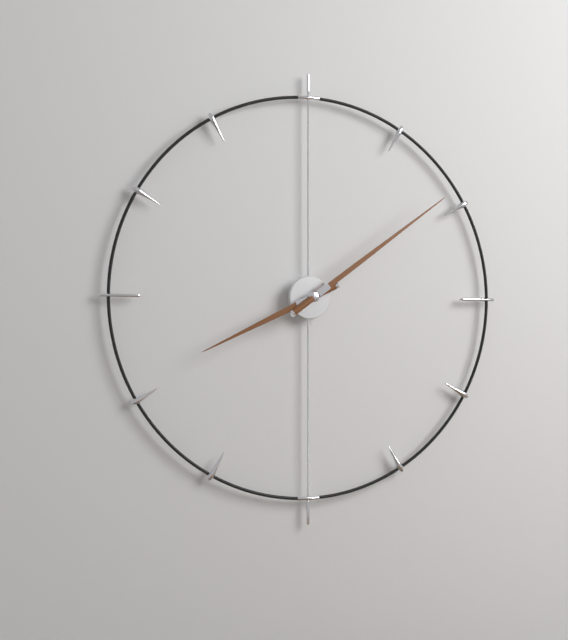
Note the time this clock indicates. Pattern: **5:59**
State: **8:09**
